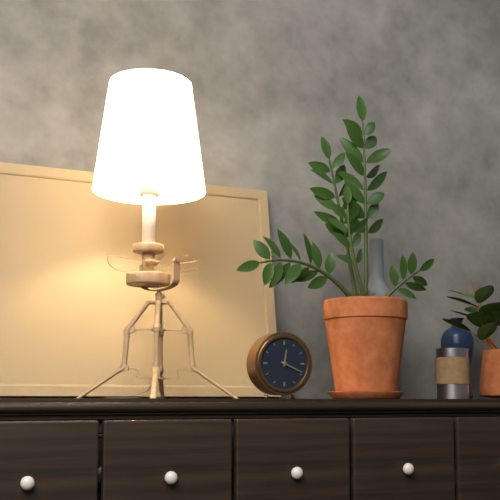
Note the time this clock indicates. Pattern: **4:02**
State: **12:19**
